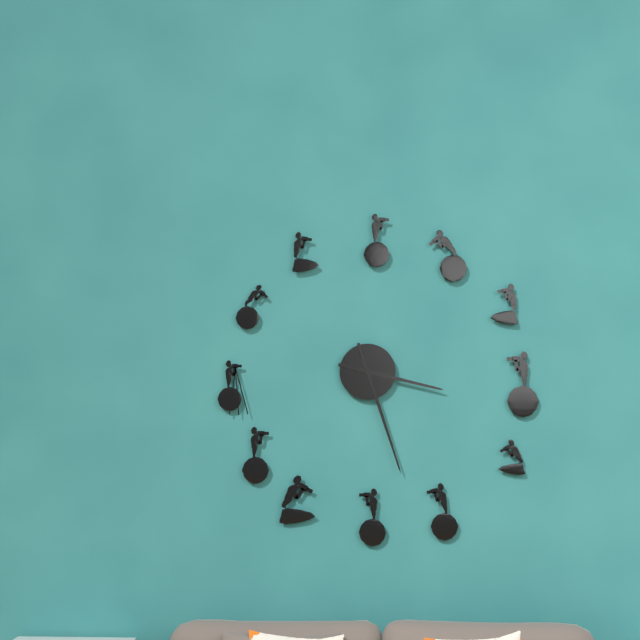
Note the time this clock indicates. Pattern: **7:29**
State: **3:27**
